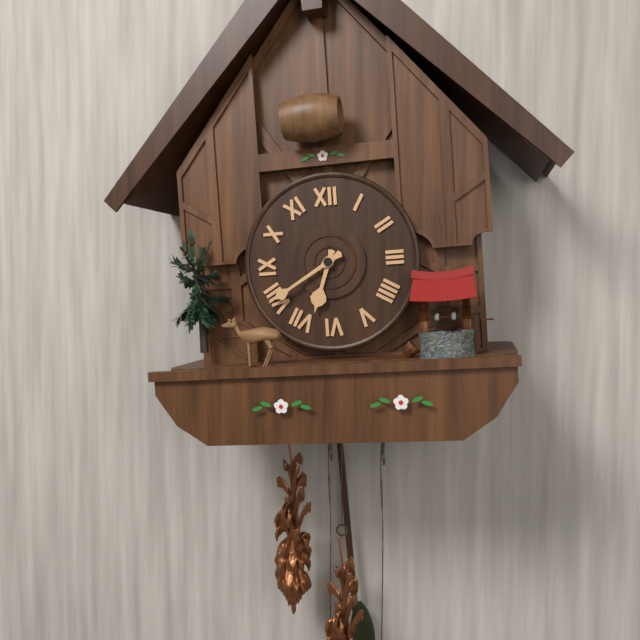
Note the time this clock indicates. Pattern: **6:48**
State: **6:40**
